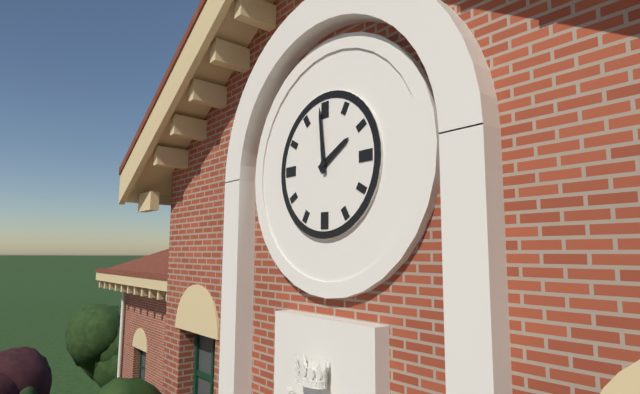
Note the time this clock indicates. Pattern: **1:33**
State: **1:59**
